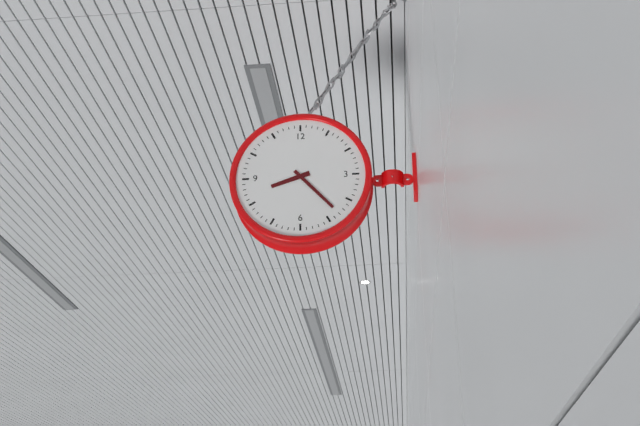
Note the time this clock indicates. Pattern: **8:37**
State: **8:23**
